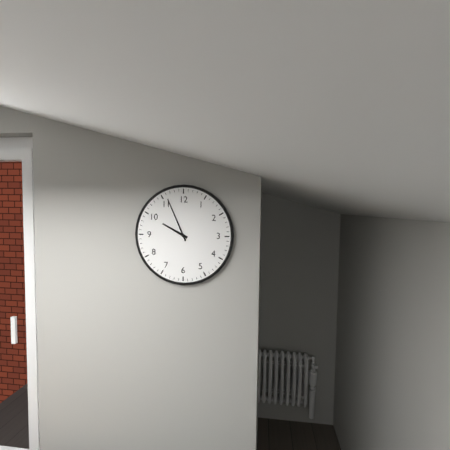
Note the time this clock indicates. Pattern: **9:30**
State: **9:56**
